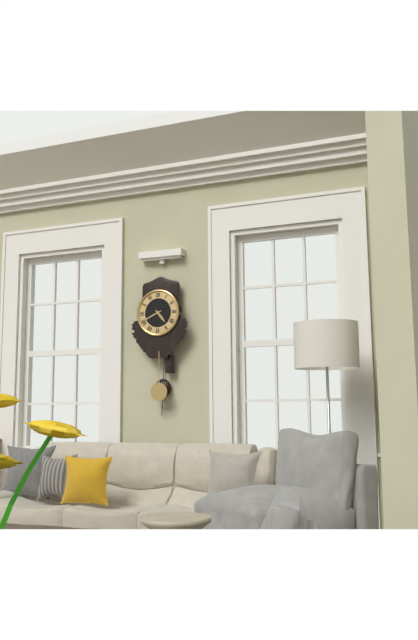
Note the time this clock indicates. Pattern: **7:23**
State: **4:41**
